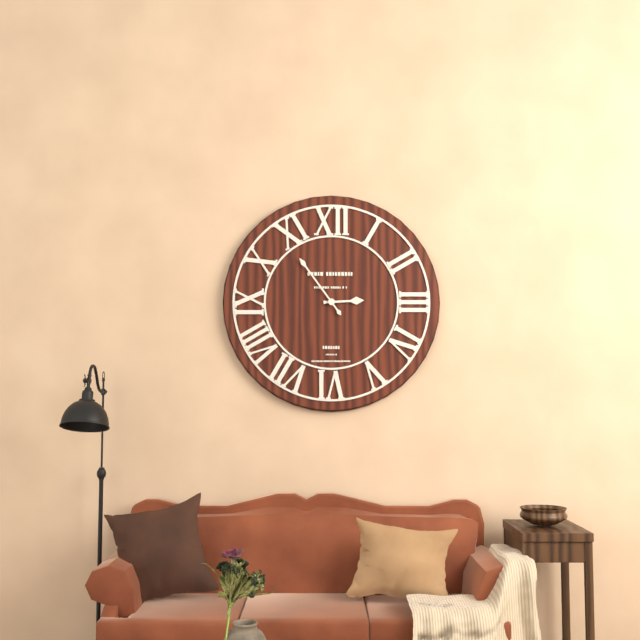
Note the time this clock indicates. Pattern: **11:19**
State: **2:54**
